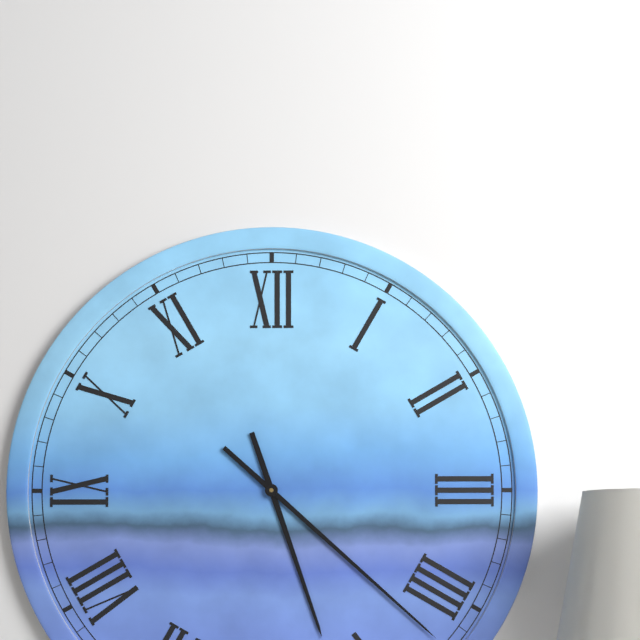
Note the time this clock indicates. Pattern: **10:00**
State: **5:22**
